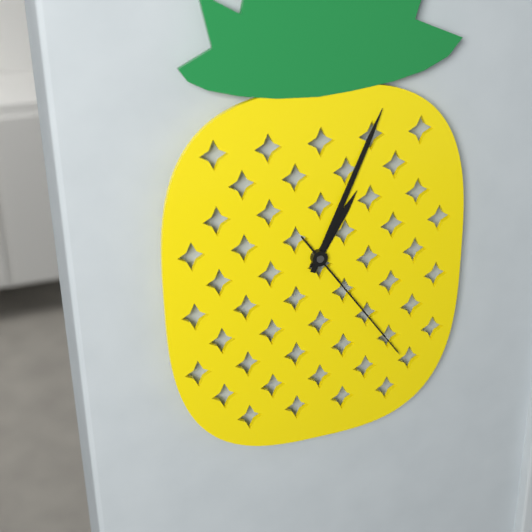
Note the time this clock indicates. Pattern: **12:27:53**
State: **1:04:24**
